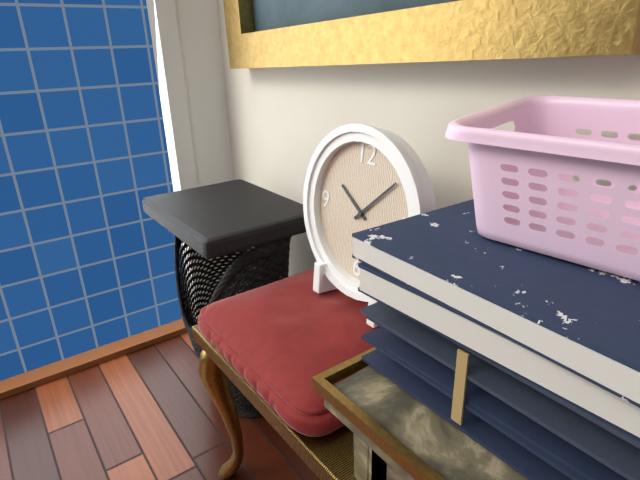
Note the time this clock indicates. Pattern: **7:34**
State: **10:08**
